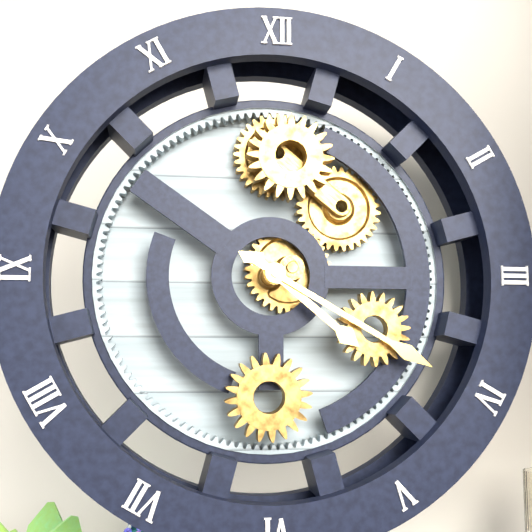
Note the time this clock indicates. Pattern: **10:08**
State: **4:20**
